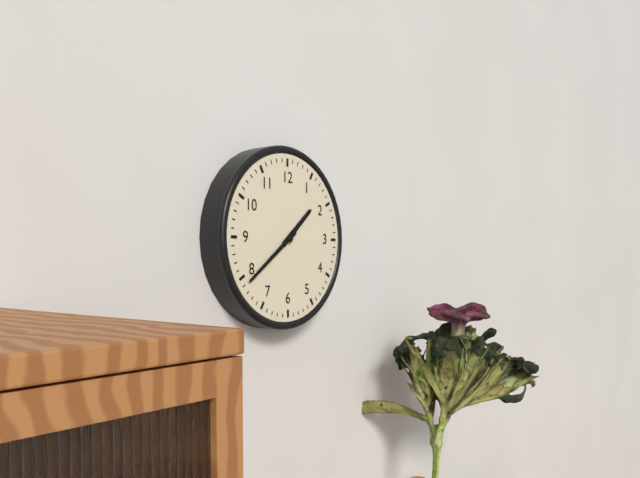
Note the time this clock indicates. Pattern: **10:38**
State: **1:39**
